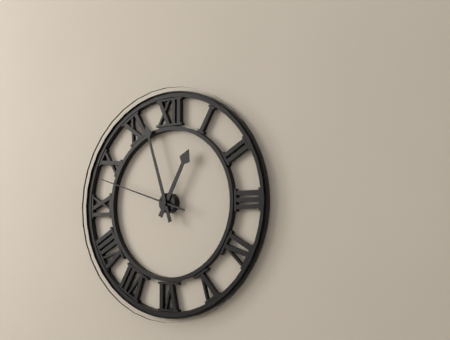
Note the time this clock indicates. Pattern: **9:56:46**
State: **12:57:48**
